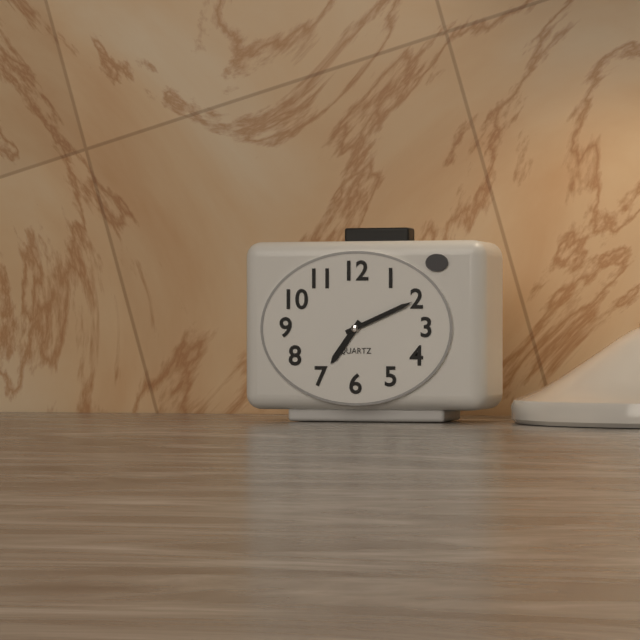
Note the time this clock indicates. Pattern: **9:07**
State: **7:11**
